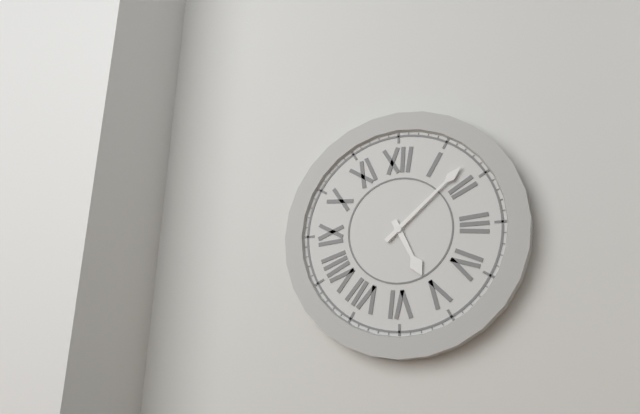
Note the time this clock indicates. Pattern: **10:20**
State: **5:08**
